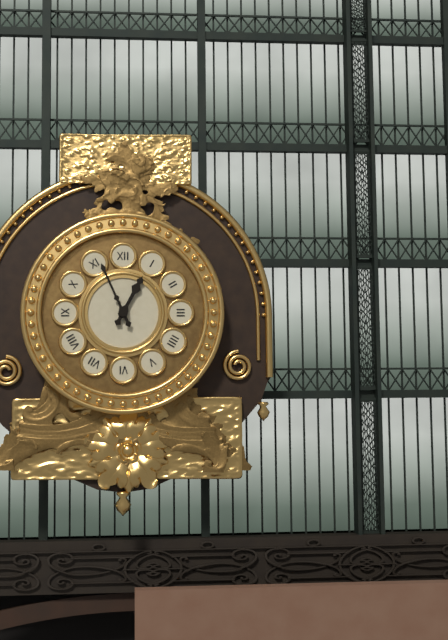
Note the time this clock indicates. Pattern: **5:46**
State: **12:56**
